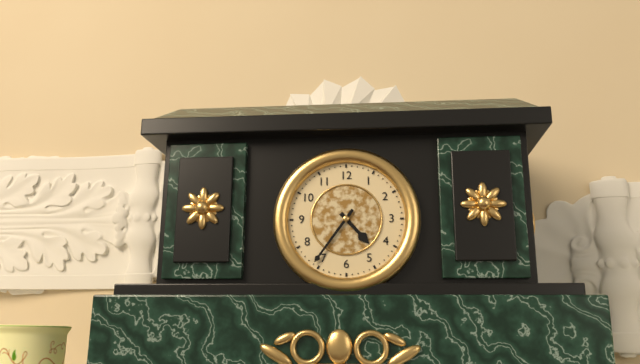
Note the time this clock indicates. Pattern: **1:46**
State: **4:36**
